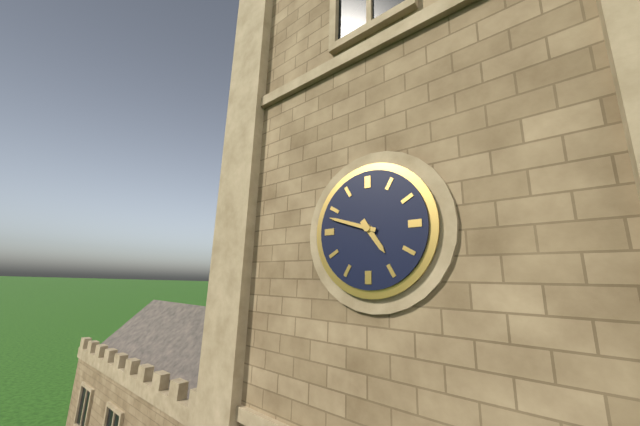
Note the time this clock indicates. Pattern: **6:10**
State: **4:48**
